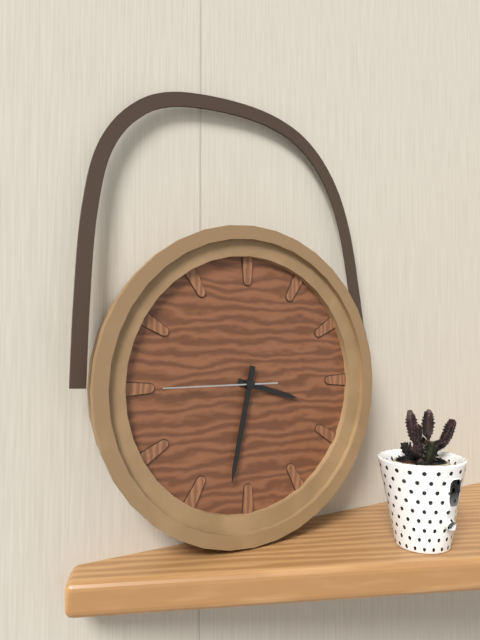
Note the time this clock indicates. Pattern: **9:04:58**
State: **3:32:45**
